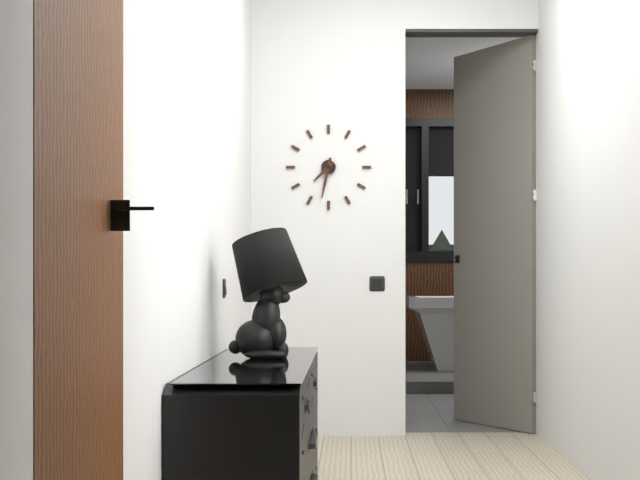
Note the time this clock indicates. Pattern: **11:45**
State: **7:32**
